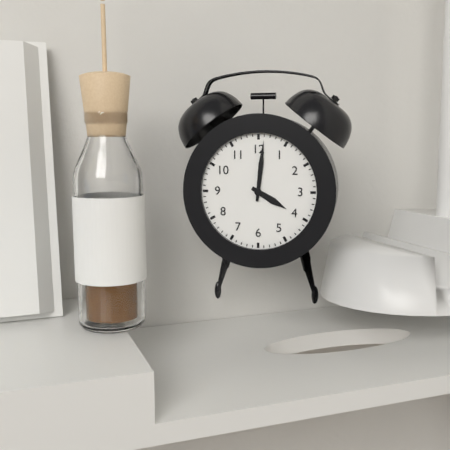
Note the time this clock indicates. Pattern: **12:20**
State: **4:01**
